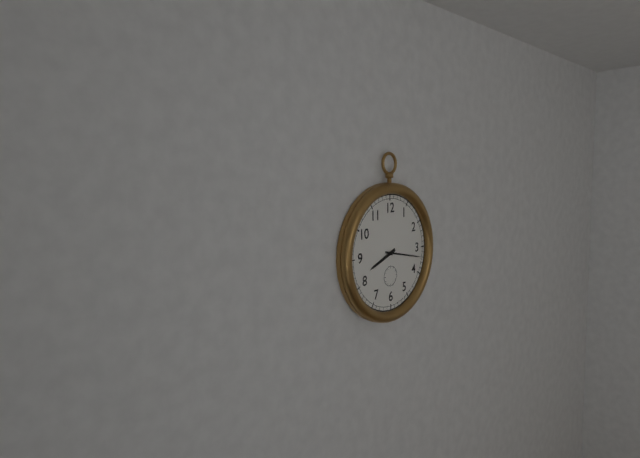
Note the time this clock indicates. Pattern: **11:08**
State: **8:17**
